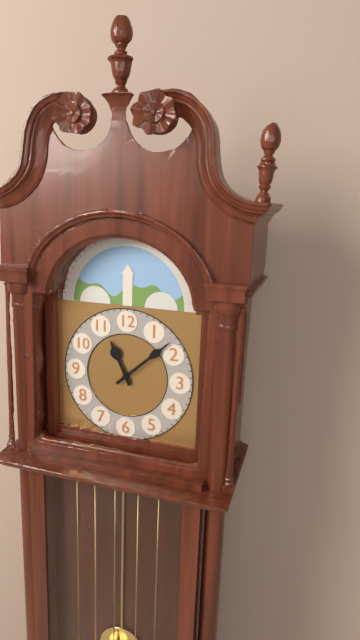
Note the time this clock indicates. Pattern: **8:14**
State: **11:08**
